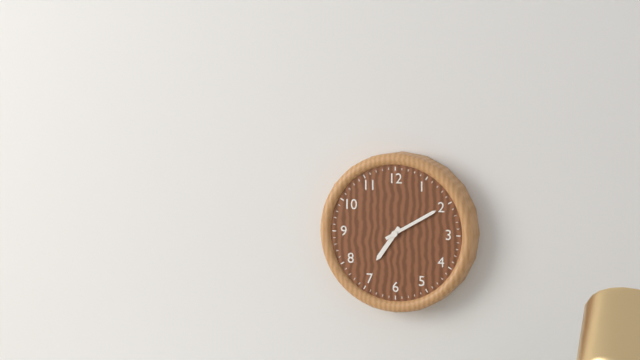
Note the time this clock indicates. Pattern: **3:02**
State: **7:10**
